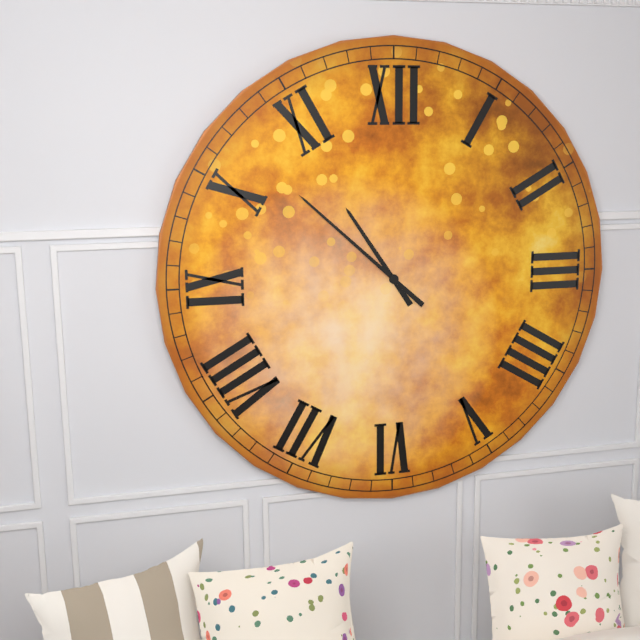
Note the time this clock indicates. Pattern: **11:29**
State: **10:52**
